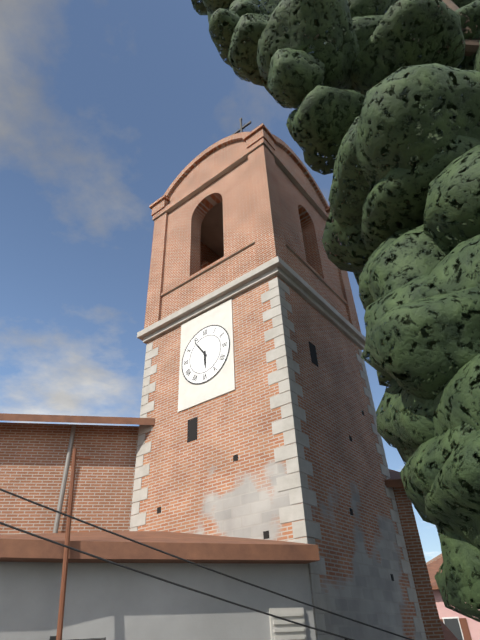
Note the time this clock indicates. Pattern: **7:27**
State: **5:54**
